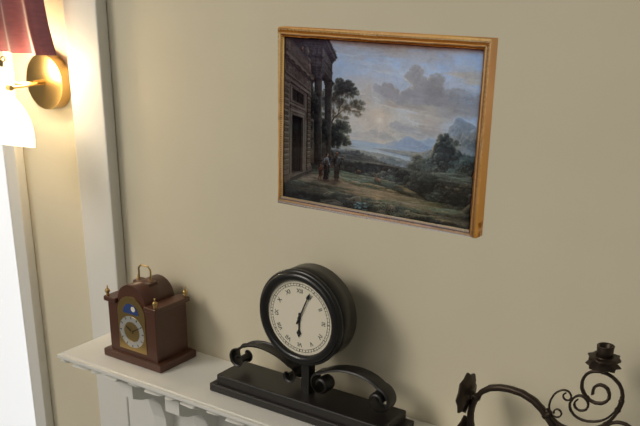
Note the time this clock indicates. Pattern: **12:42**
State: **6:04**
